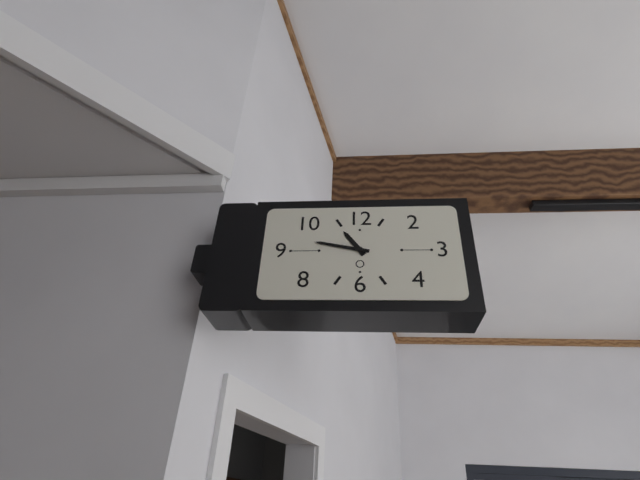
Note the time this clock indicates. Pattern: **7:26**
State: **10:47**
